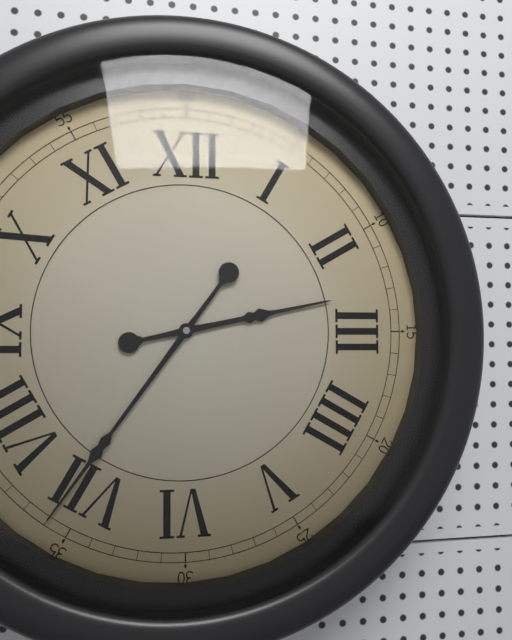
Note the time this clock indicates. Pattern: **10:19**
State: **2:36**
